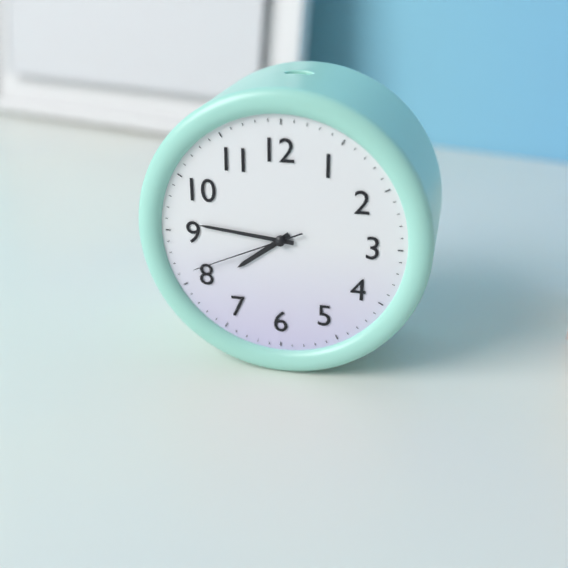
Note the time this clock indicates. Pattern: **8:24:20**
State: **7:46:41**
